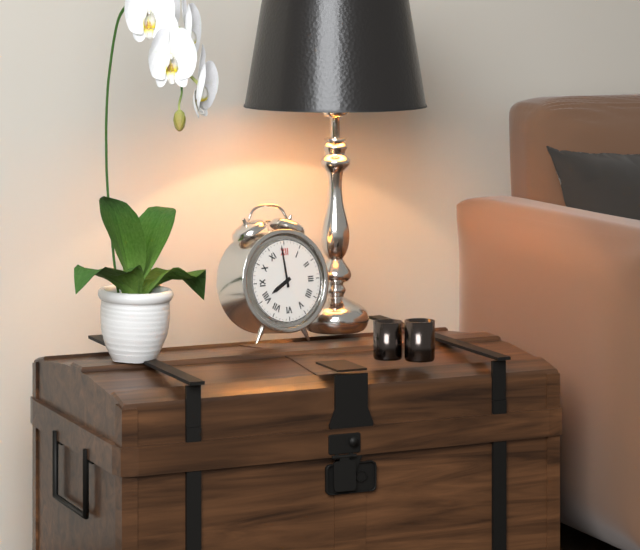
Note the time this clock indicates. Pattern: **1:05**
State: **7:59**
